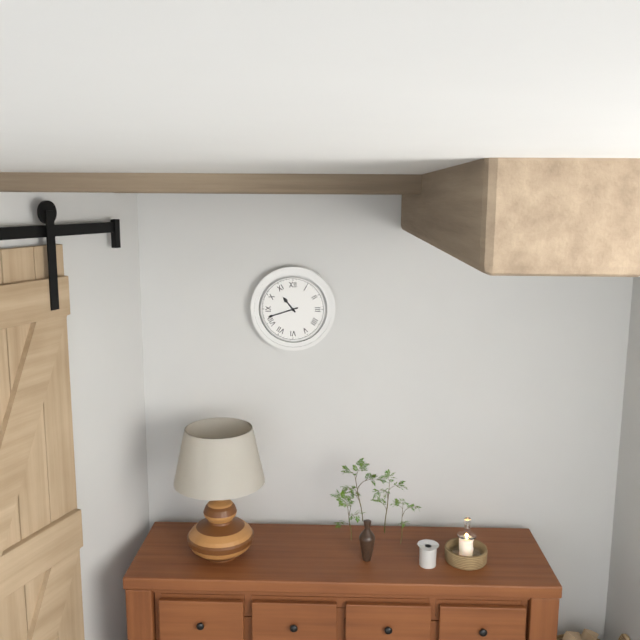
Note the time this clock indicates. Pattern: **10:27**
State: **10:42**
